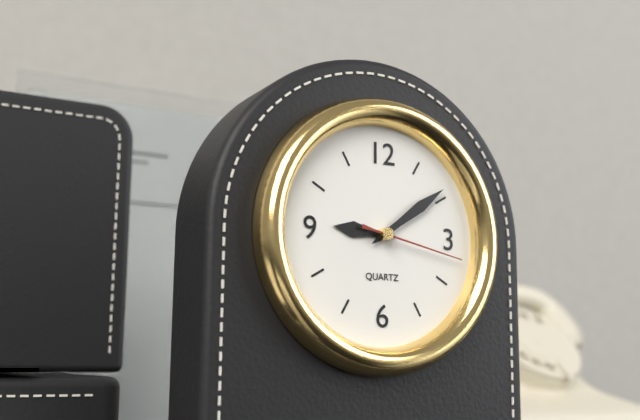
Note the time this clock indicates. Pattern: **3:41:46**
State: **9:09:17**
